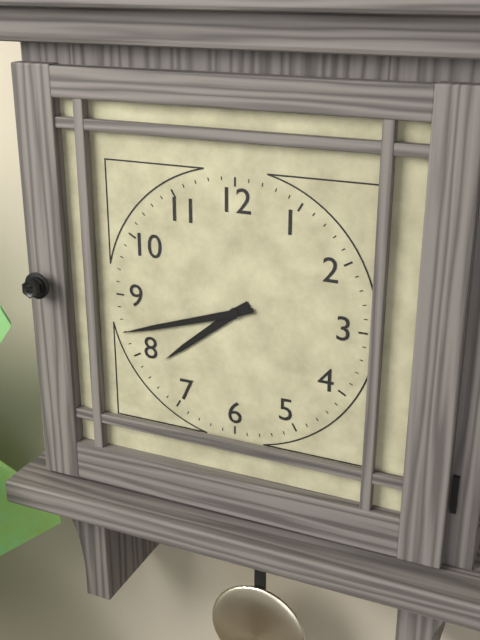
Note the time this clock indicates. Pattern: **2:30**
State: **7:42**
